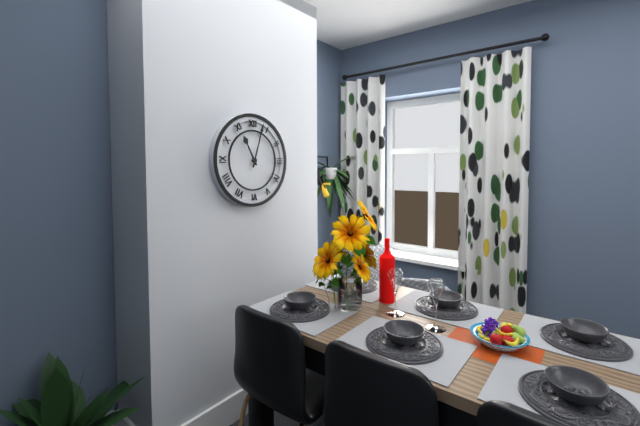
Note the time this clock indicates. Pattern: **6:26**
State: **11:03**
